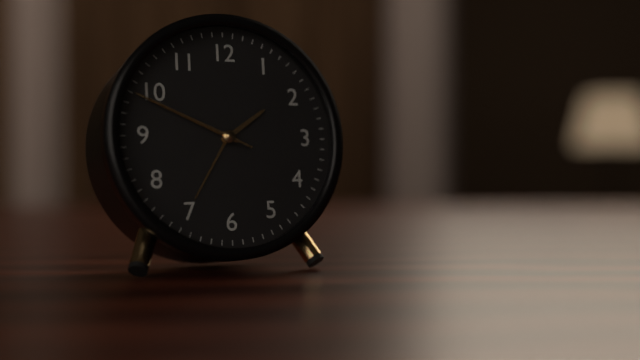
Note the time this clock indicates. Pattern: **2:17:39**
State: **1:49:49**
